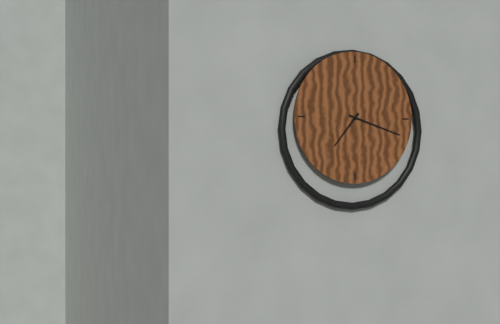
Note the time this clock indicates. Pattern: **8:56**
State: **7:18**
